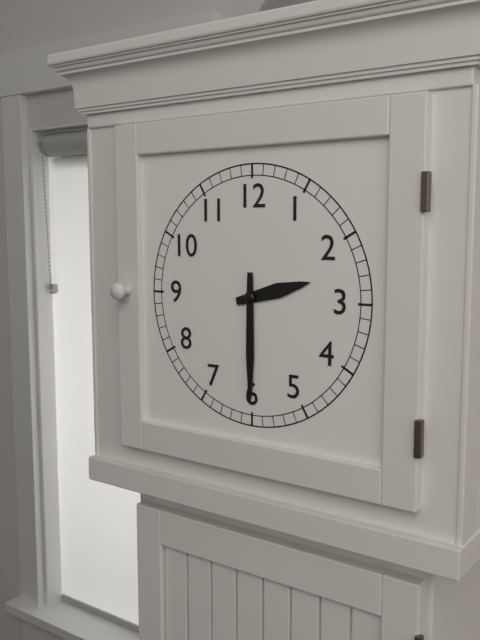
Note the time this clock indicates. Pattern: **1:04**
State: **2:30**
